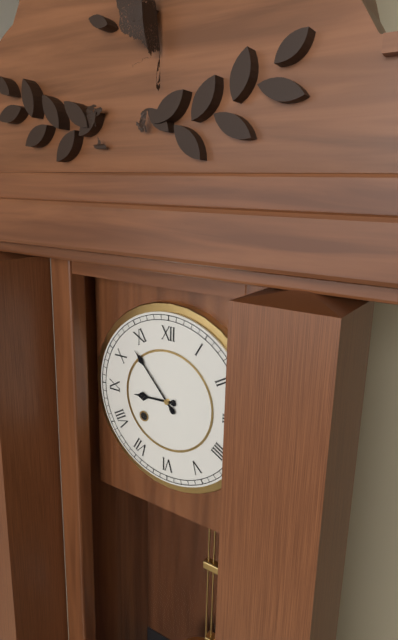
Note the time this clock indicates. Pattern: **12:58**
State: **8:53**
